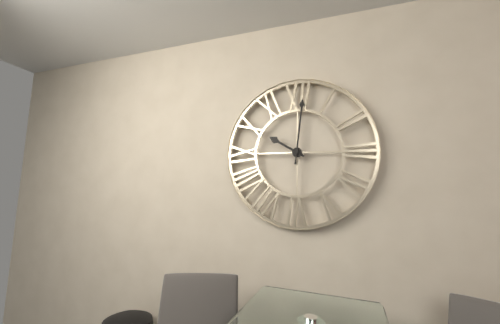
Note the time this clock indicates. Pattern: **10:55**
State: **10:01**
